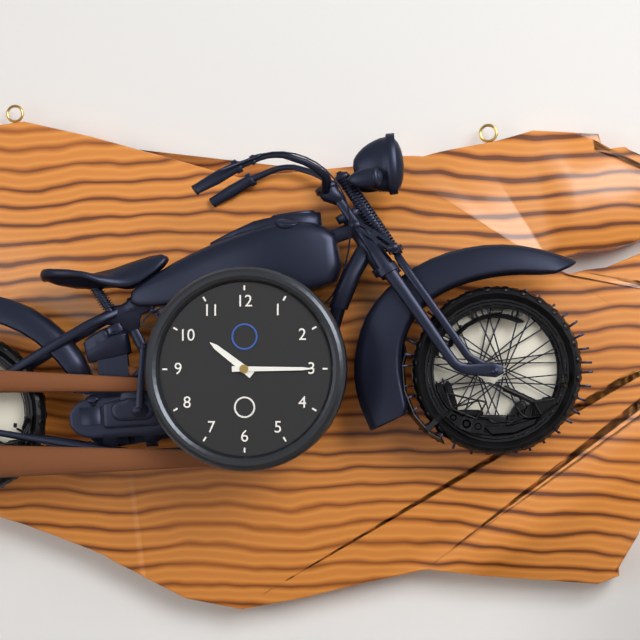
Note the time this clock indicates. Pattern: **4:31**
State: **10:15**
